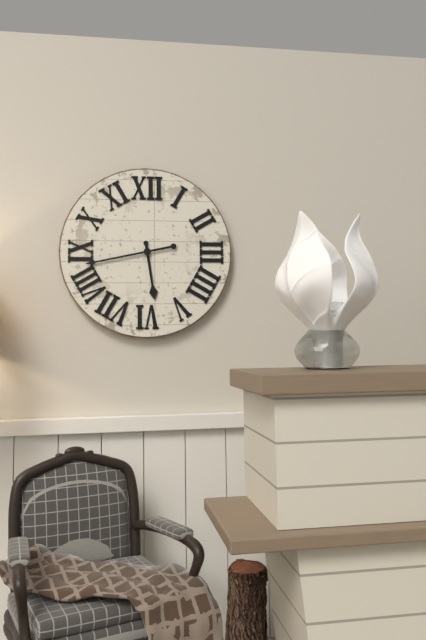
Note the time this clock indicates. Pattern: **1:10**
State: **5:43**
